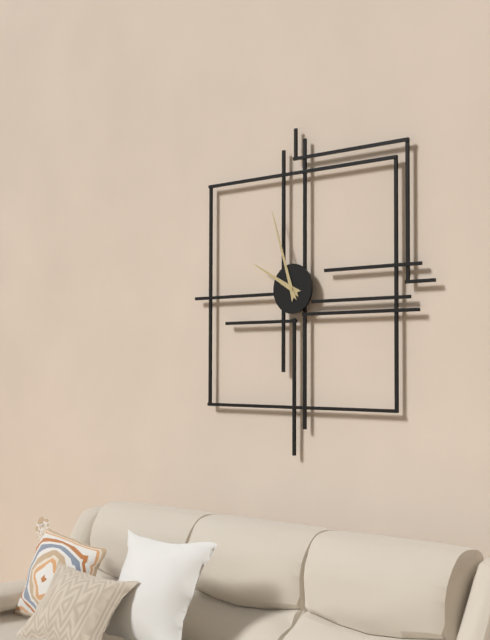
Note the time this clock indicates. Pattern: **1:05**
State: **9:57**
